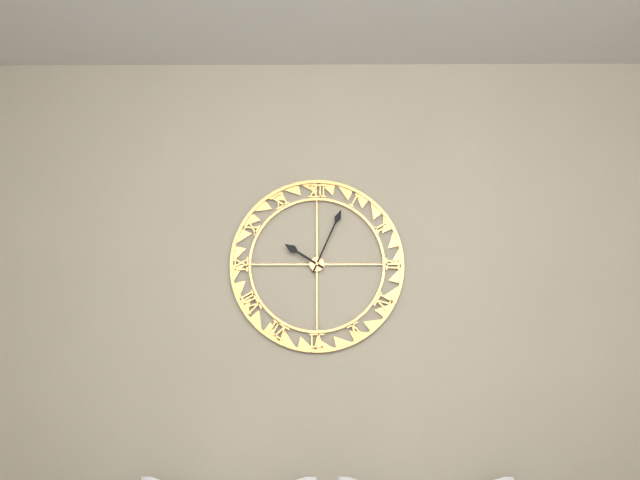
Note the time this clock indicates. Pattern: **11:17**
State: **10:04**
